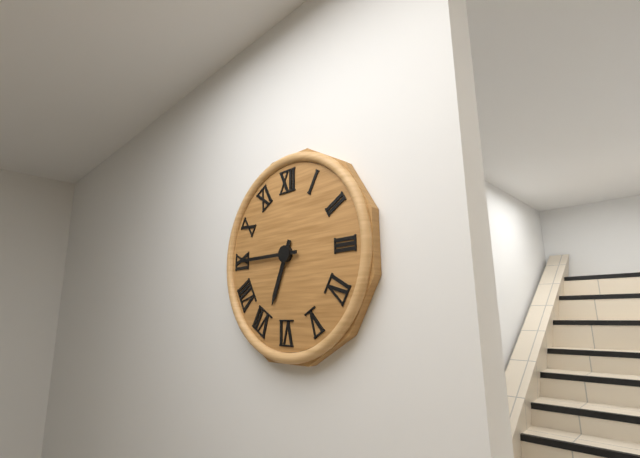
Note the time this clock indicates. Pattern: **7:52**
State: **6:45**
